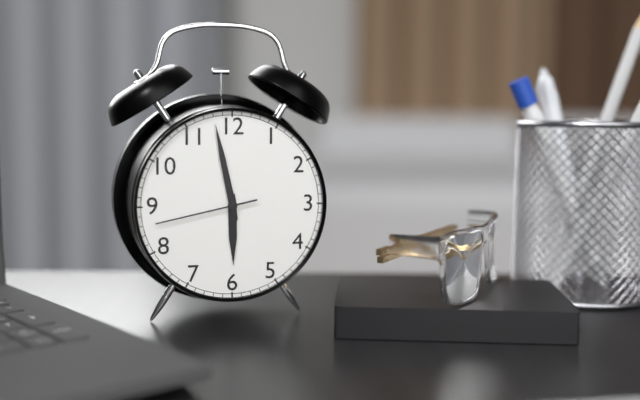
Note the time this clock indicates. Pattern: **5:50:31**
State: **5:58:43**
